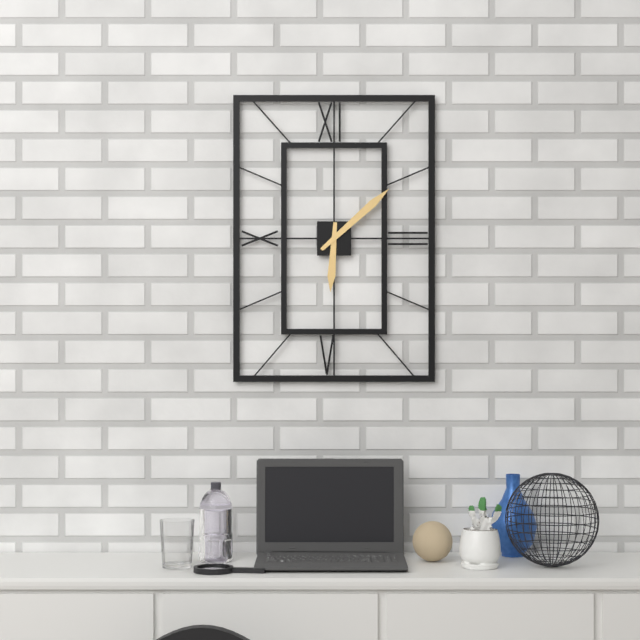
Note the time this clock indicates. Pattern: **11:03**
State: **6:08**
